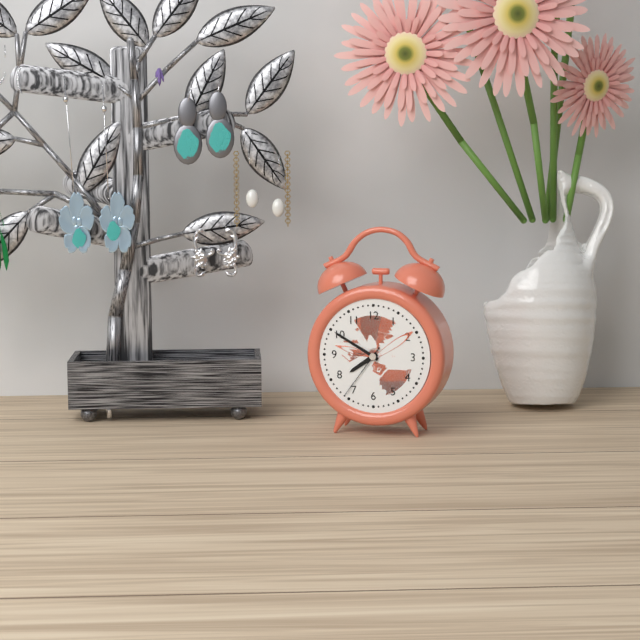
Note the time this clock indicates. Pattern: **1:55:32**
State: **7:50:36**
